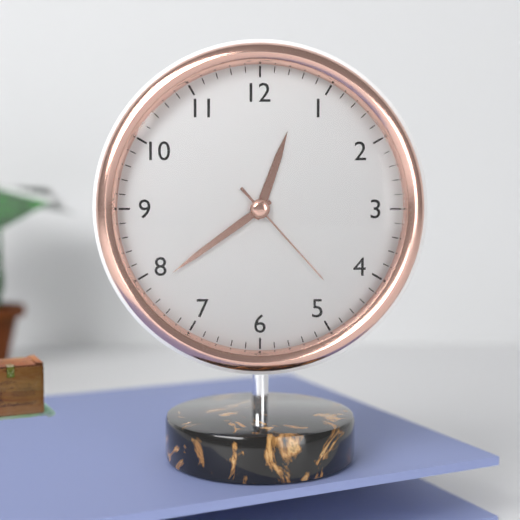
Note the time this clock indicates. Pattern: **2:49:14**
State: **12:39:23**
